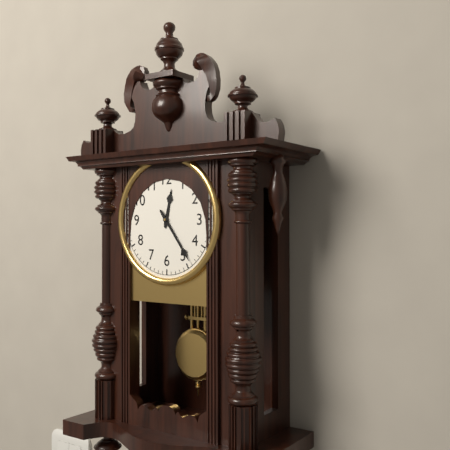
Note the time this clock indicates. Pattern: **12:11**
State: **12:24**
